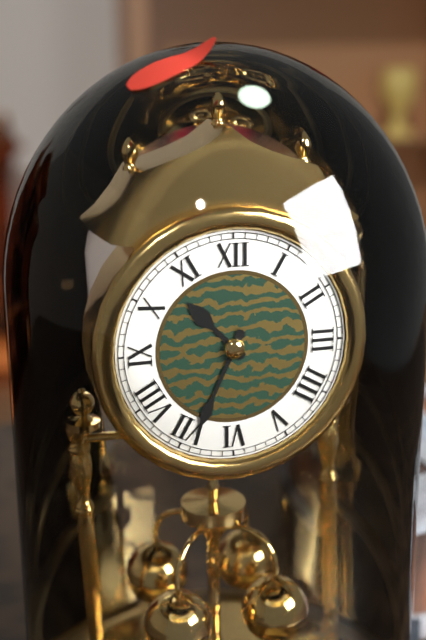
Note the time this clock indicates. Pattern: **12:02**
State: **10:34**
